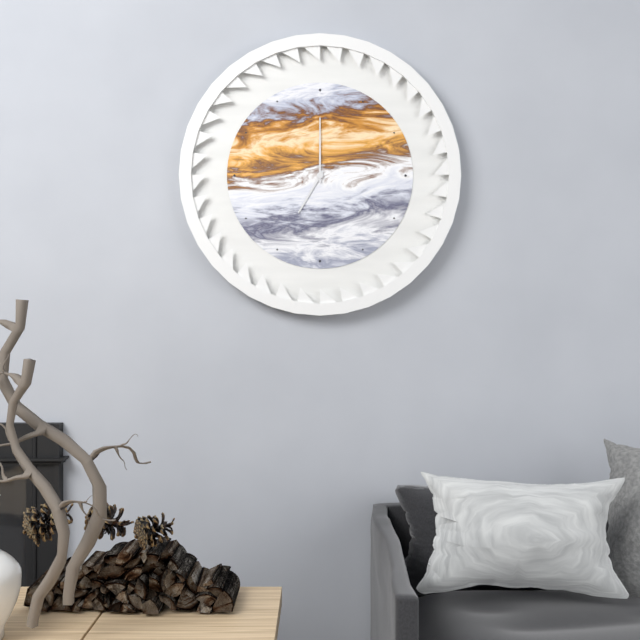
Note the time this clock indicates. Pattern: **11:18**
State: **7:00**
